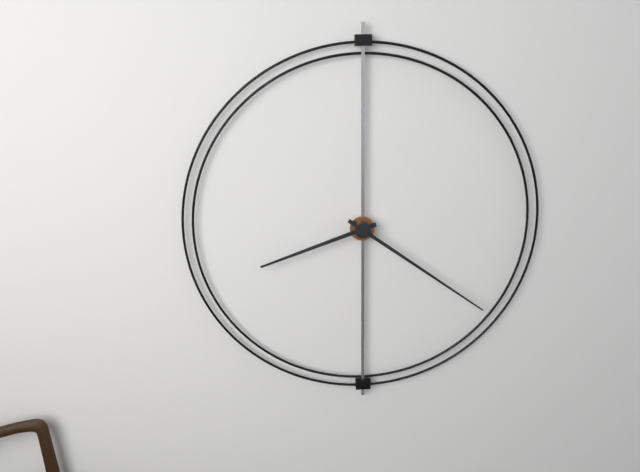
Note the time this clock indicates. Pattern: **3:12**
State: **8:21**
